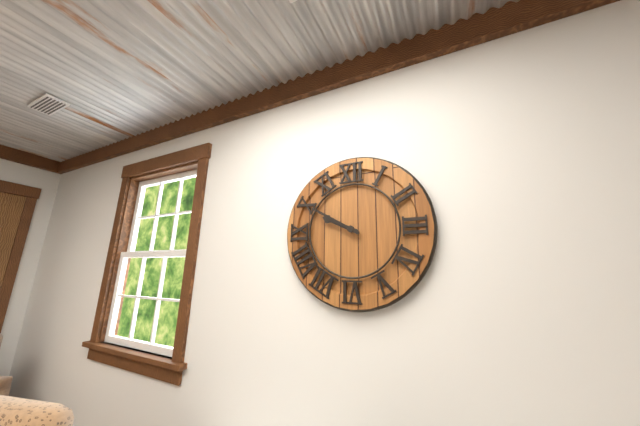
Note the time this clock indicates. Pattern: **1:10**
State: **9:50**
